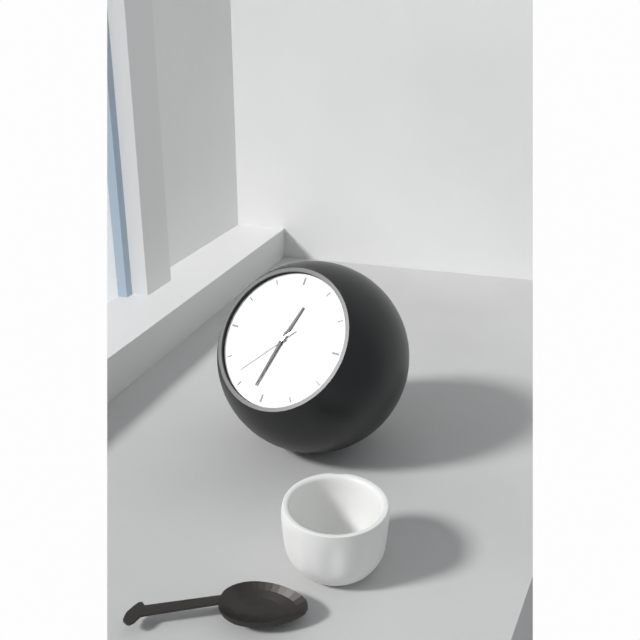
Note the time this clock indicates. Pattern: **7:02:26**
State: **12:32:37**
